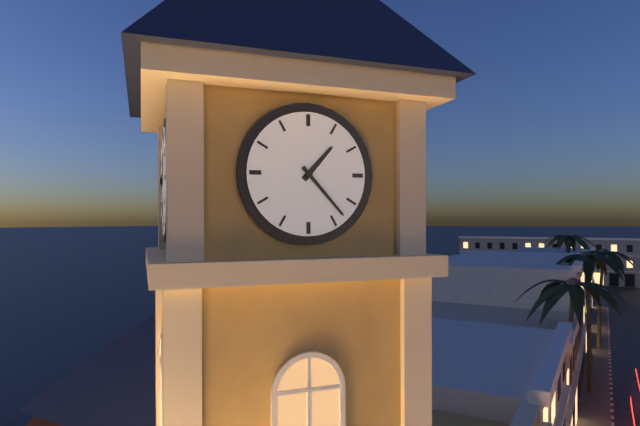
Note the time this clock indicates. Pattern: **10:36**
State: **1:23**
